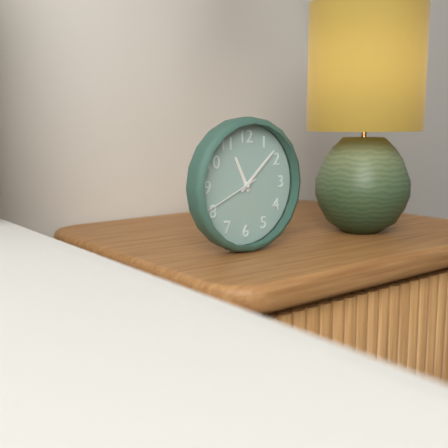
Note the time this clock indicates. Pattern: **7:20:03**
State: **11:08:41**
